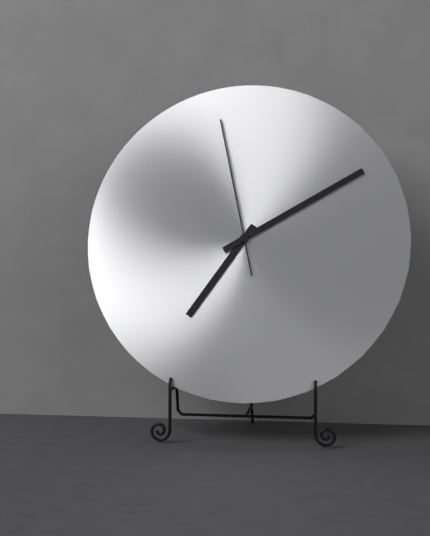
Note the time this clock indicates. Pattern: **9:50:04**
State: **7:10:58**
